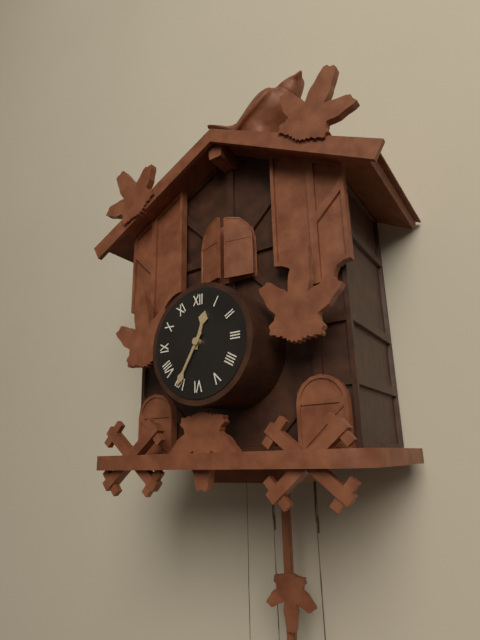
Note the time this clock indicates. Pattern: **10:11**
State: **12:35**
